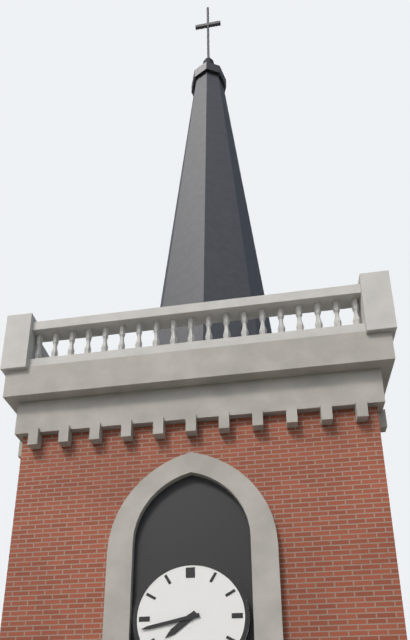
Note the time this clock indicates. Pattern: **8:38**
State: **7:43**
